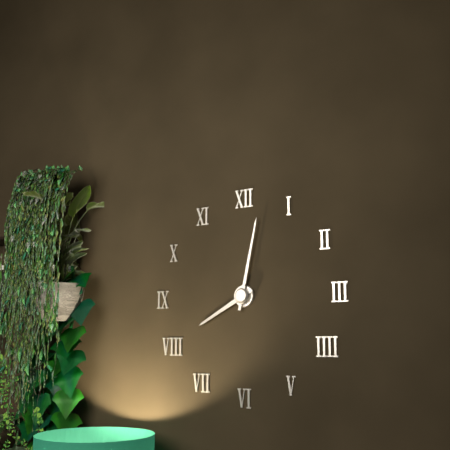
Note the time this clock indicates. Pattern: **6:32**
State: **8:02**
